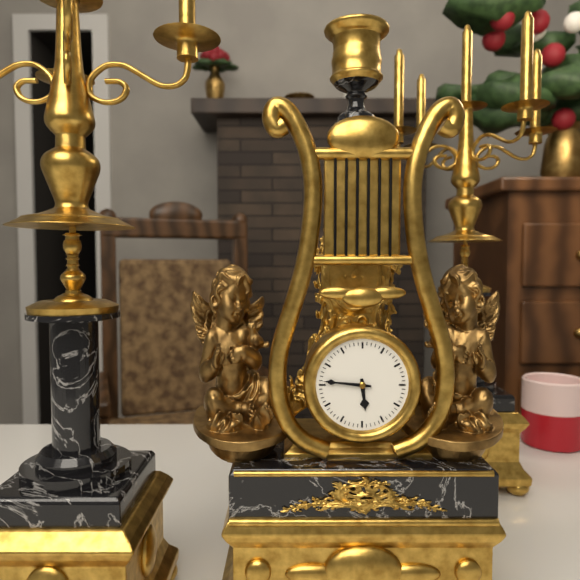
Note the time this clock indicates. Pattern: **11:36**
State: **5:46**
